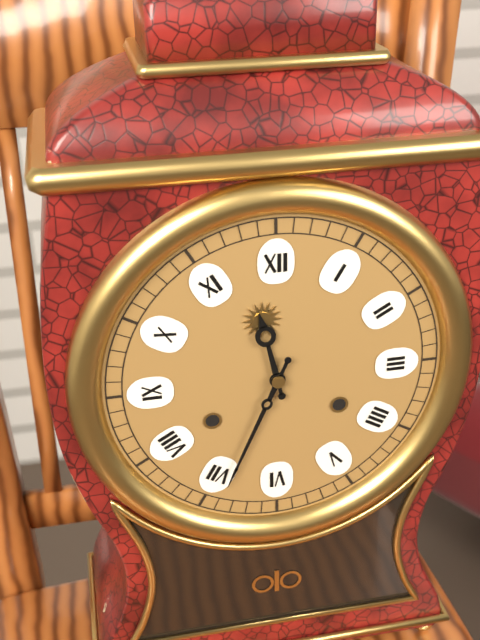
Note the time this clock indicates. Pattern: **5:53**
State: **11:34**
